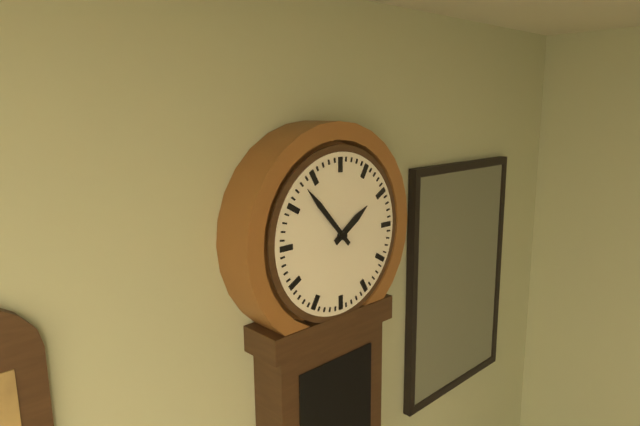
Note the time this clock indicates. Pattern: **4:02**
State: **1:53**
